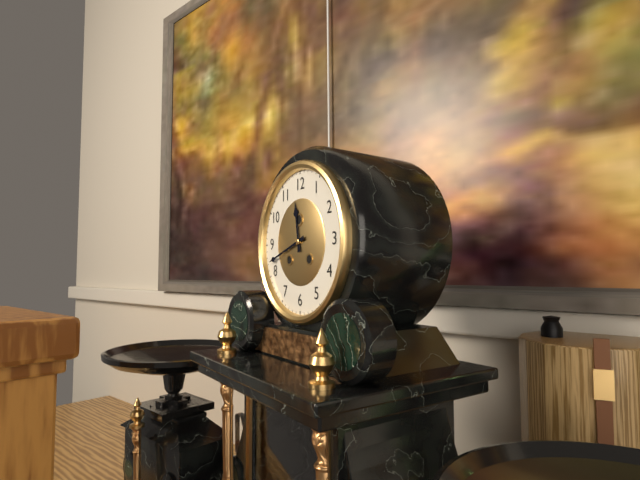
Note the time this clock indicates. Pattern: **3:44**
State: **11:42**
